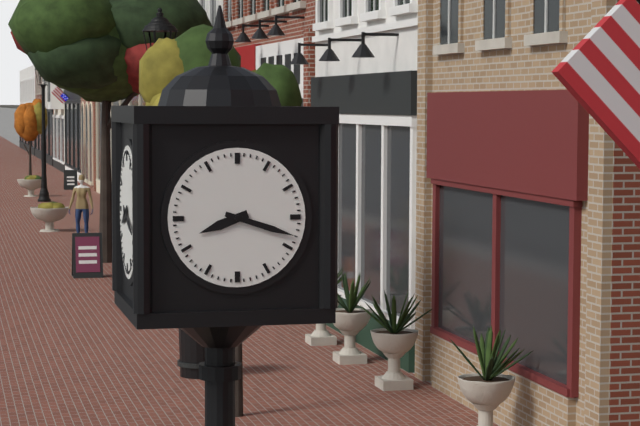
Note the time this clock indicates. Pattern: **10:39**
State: **8:18**
